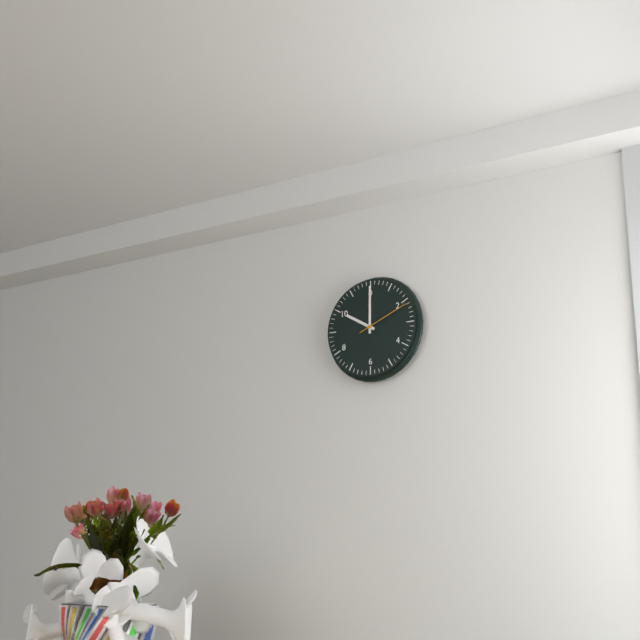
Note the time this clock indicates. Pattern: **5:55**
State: **10:00**
